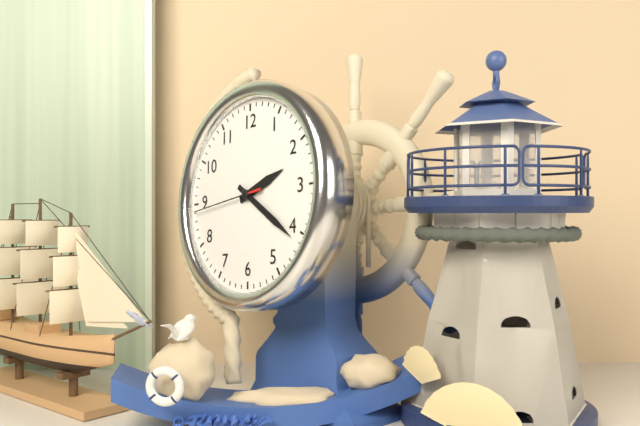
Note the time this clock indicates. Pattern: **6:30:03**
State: **2:21:44**
